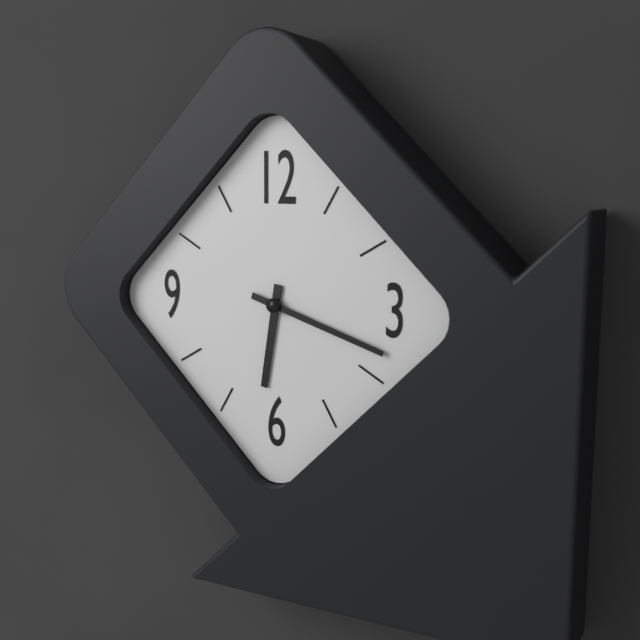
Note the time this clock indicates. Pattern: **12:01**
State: **6:18**
